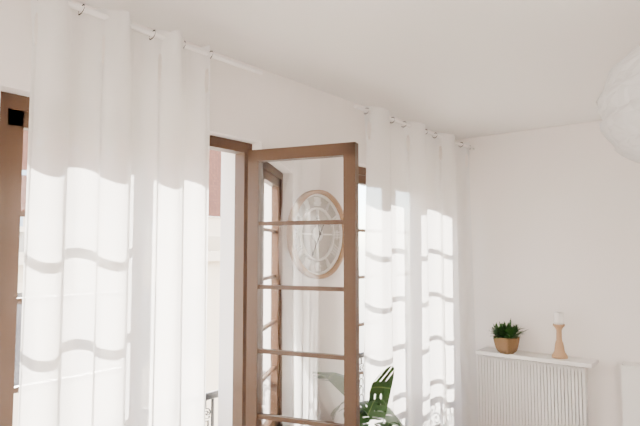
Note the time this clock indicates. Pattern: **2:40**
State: **11:35**
